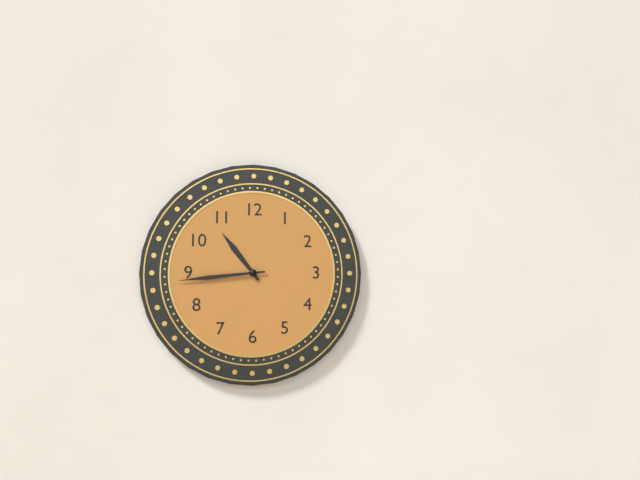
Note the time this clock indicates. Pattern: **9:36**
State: **10:44**
